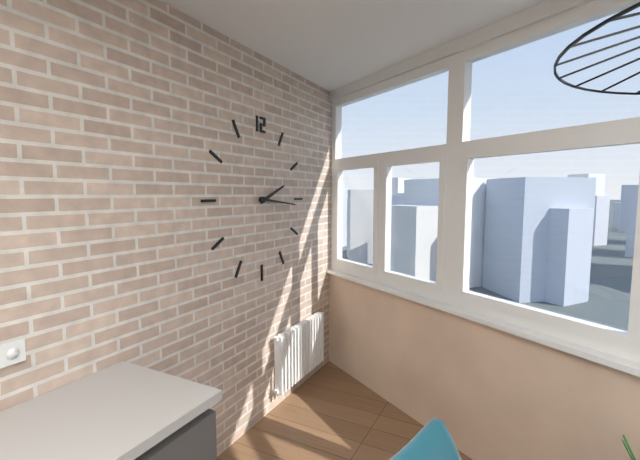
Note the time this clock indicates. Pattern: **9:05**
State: **2:16**
